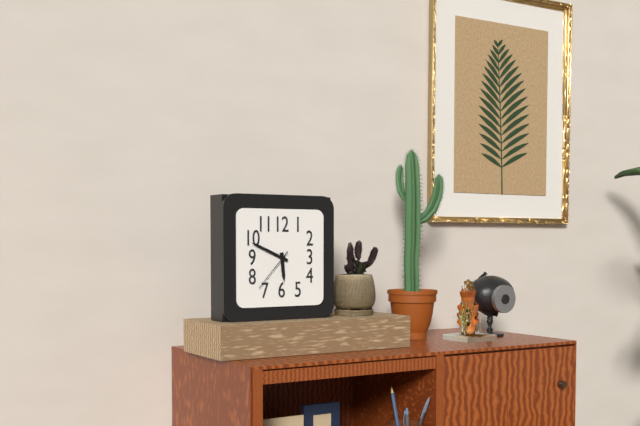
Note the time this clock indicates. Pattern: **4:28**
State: **5:49**
